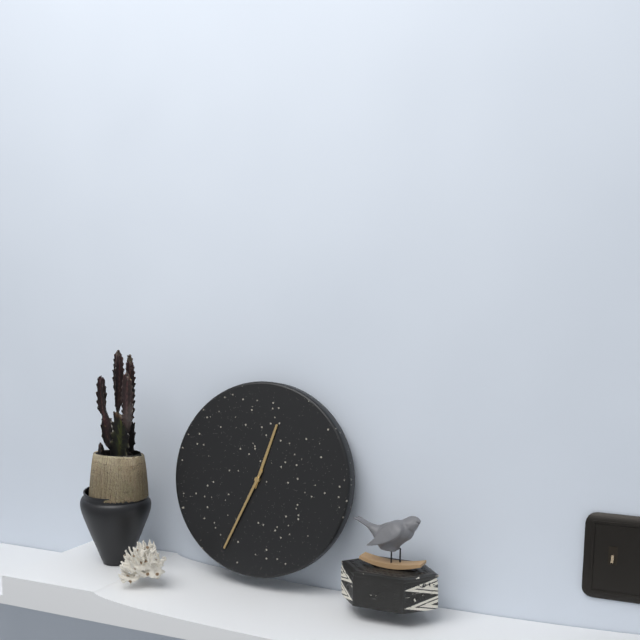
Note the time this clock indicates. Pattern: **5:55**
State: **12:34**
